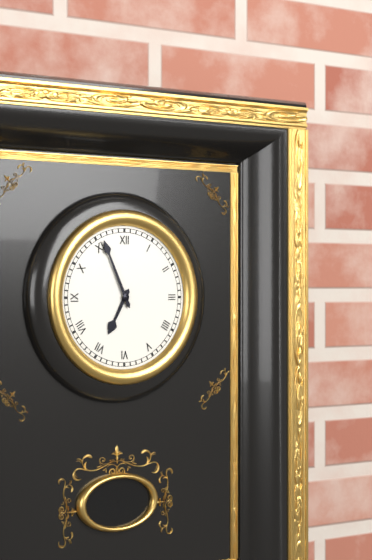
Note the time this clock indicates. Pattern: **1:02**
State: **6:56**
